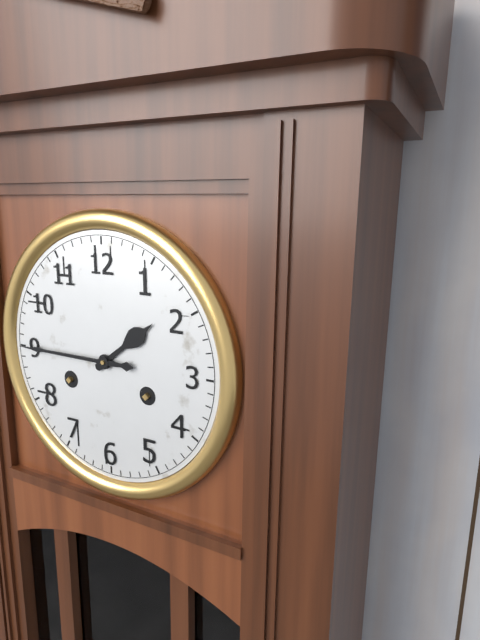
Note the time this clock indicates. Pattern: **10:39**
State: **1:45**
